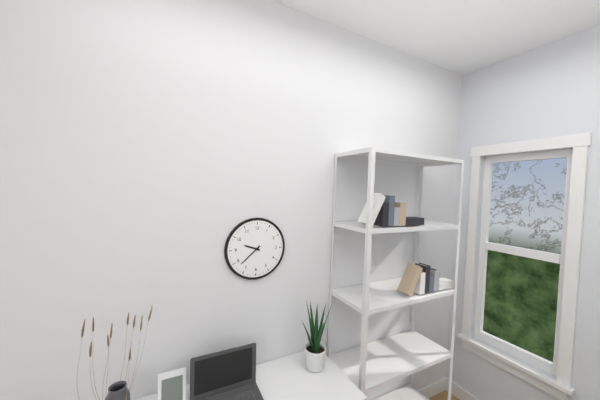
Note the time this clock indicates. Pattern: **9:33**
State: **9:38**
